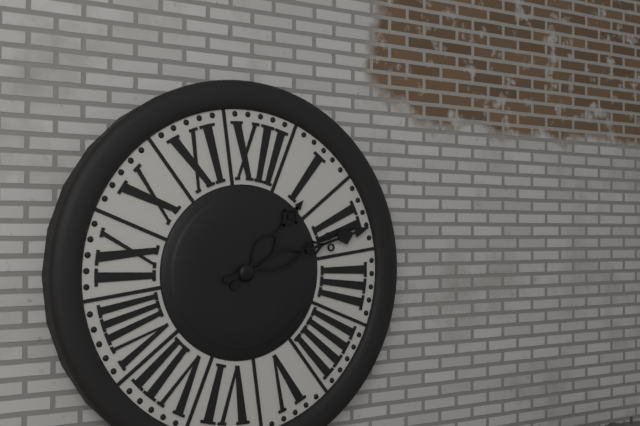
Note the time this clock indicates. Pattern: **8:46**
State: **1:11**
